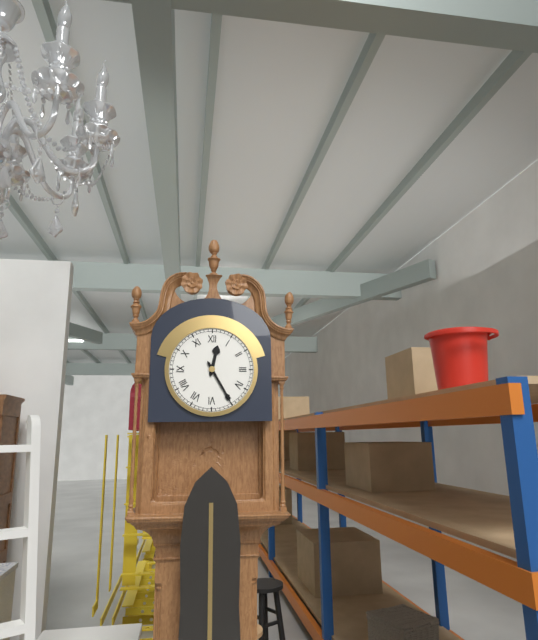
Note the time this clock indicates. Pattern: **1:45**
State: **12:25**
